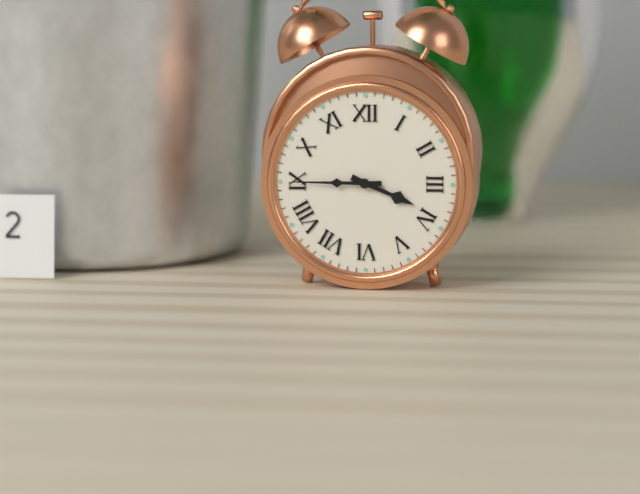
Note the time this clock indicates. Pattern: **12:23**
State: **3:45**
